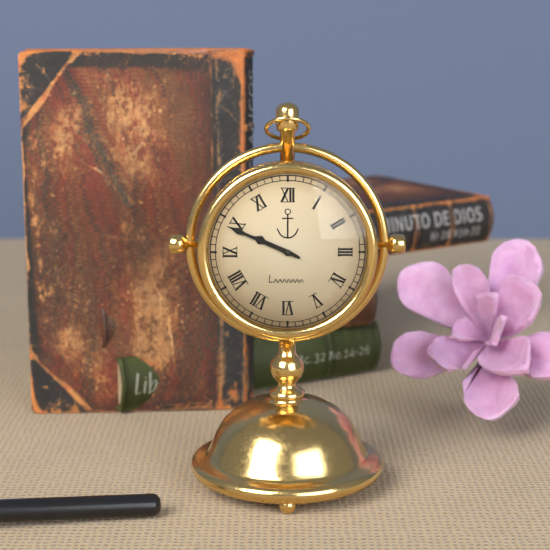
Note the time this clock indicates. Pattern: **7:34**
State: **9:49**
